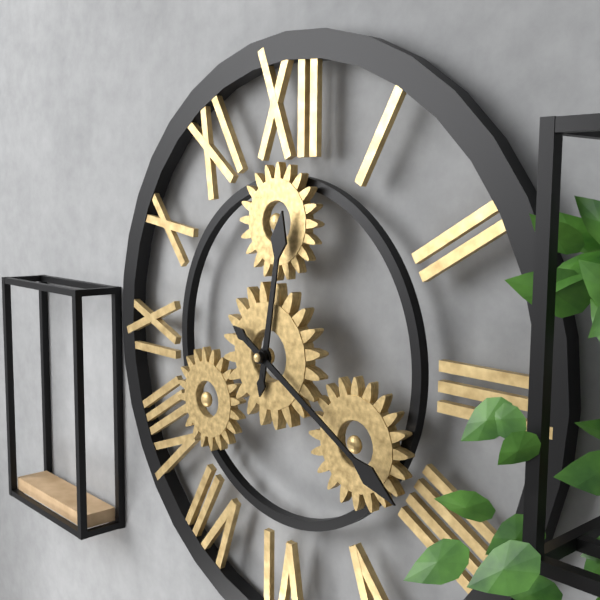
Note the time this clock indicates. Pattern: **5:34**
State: **12:20**
